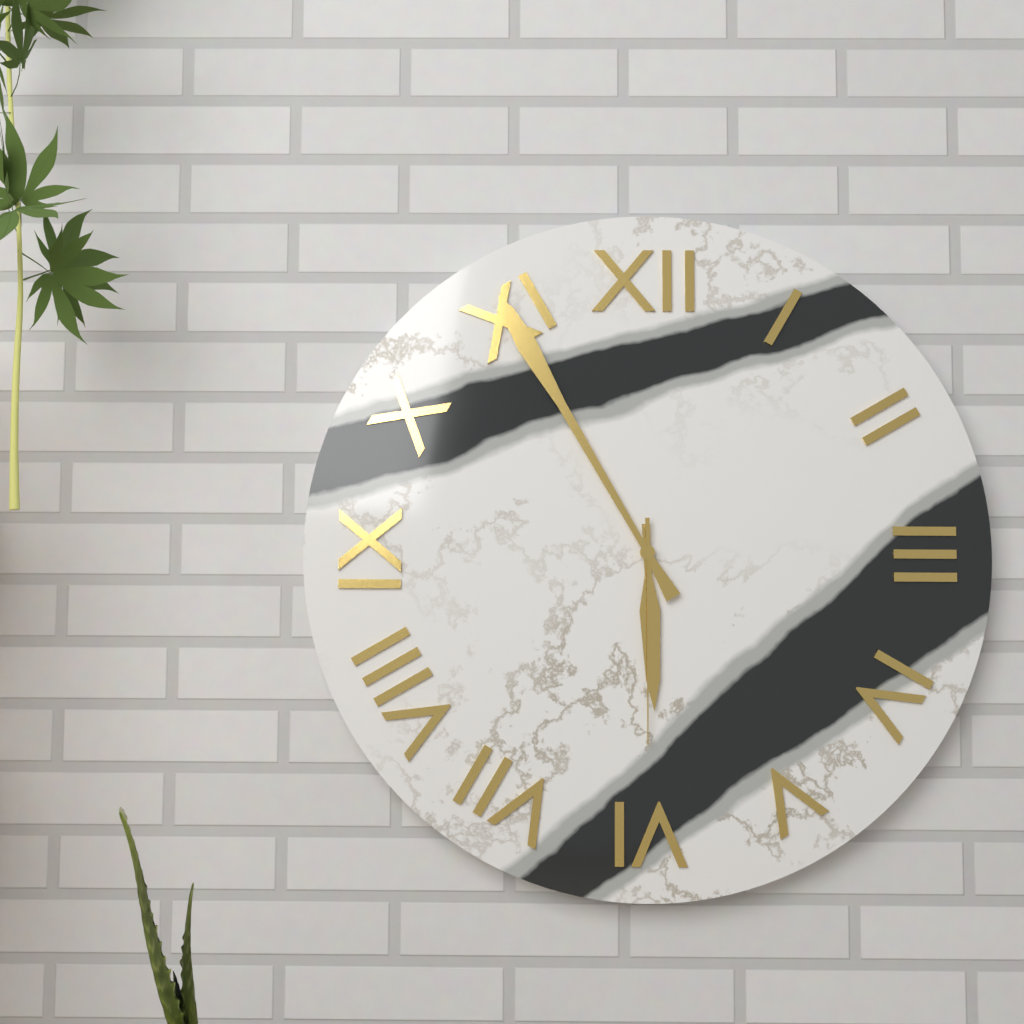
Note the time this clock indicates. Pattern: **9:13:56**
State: **5:55:30**
